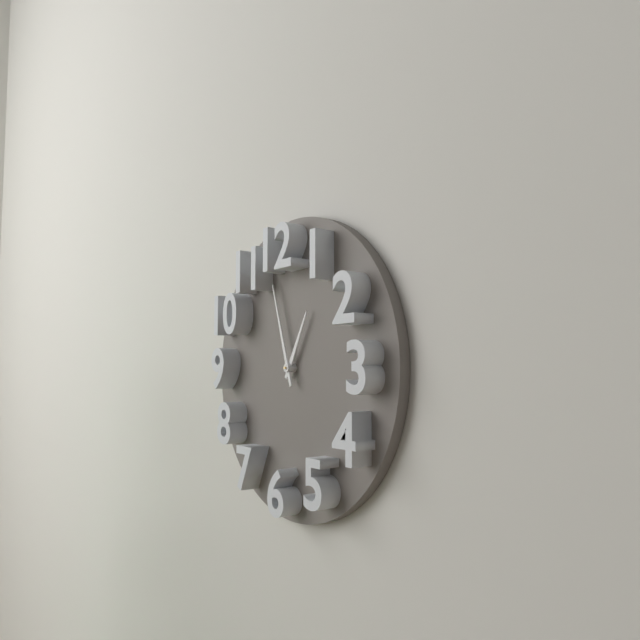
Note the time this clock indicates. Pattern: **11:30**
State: **12:57**
